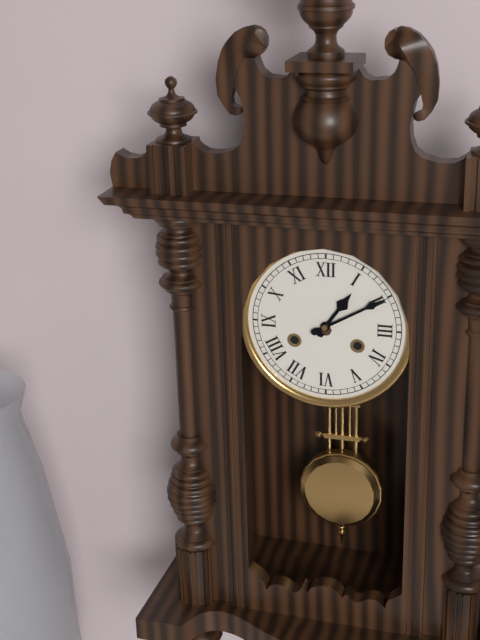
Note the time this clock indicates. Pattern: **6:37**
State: **1:10**
